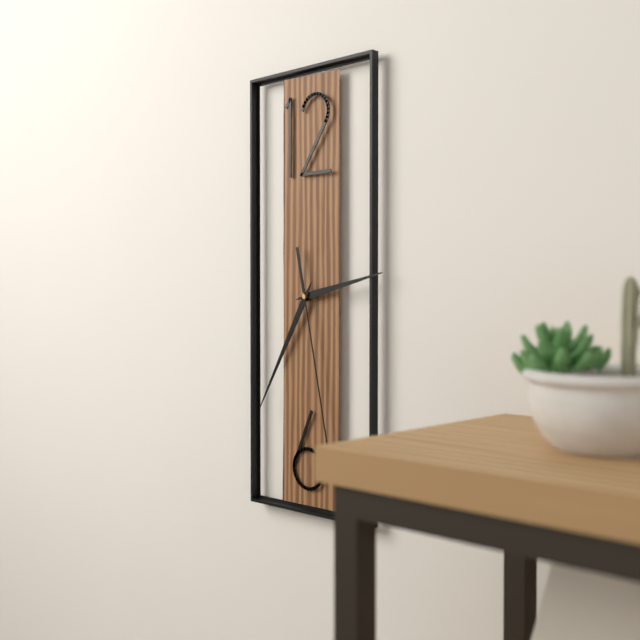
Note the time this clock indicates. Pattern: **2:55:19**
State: **2:35:28**
